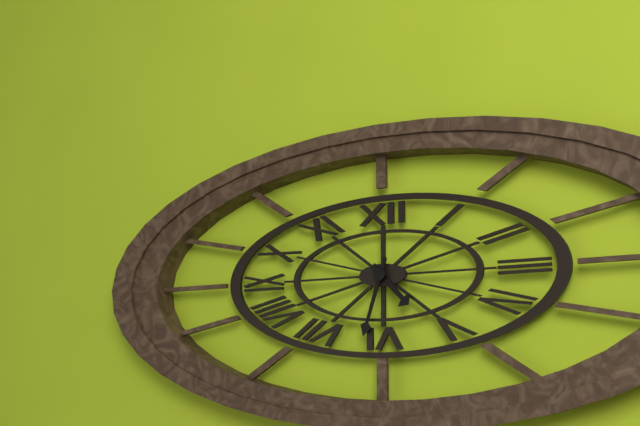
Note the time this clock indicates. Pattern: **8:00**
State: **4:33**
